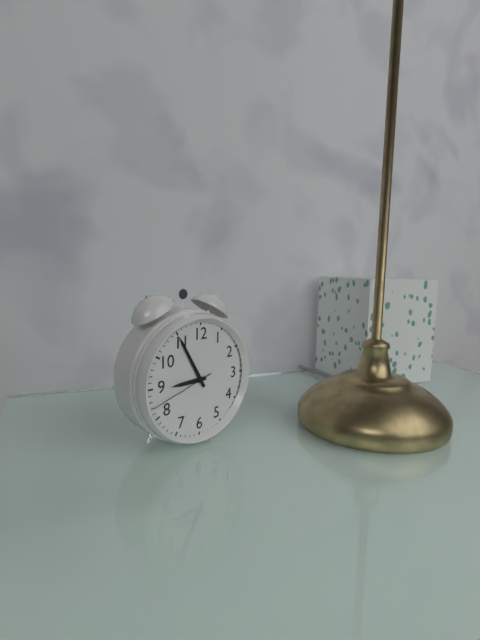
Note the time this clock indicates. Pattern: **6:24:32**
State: **8:55:42**
